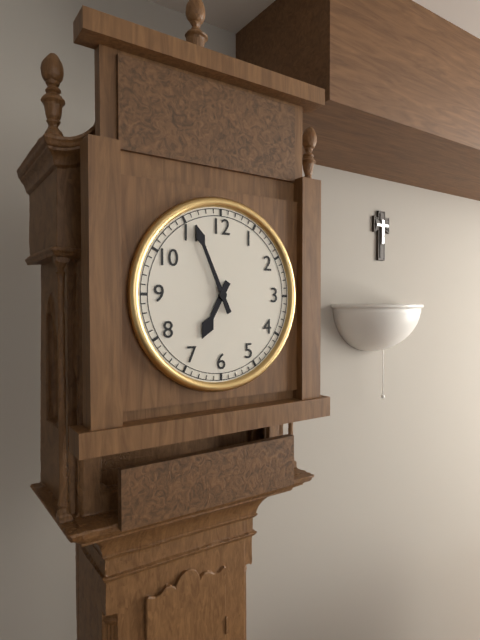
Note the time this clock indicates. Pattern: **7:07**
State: **6:56**
